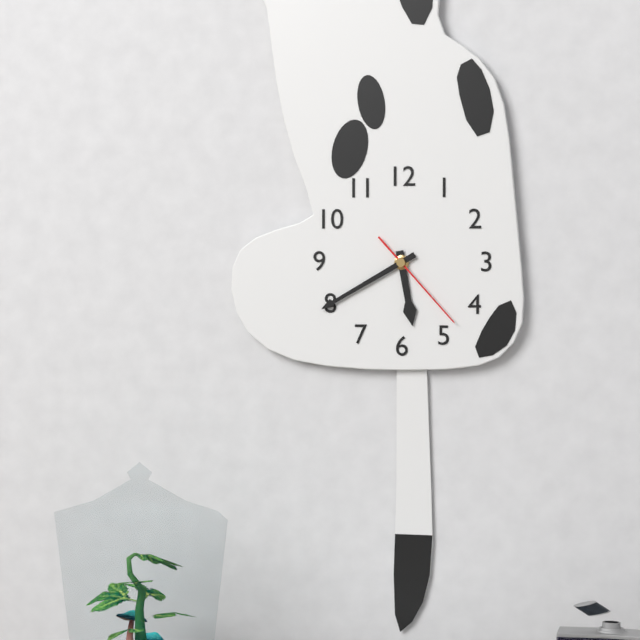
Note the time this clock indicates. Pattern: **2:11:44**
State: **5:40:23**
